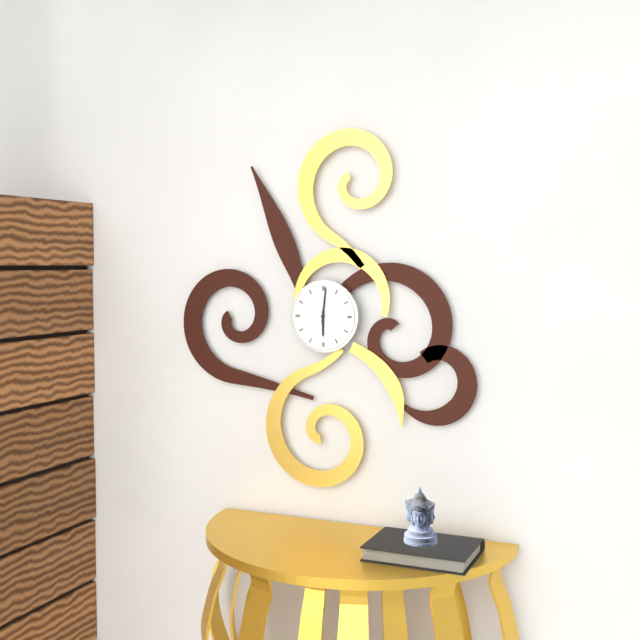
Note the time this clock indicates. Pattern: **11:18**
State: **6:01**
